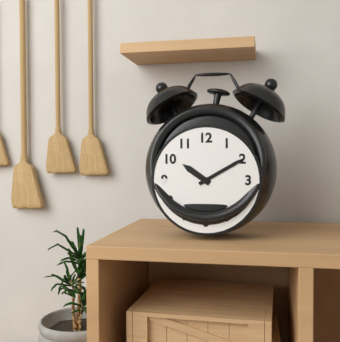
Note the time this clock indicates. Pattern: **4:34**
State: **10:10**
